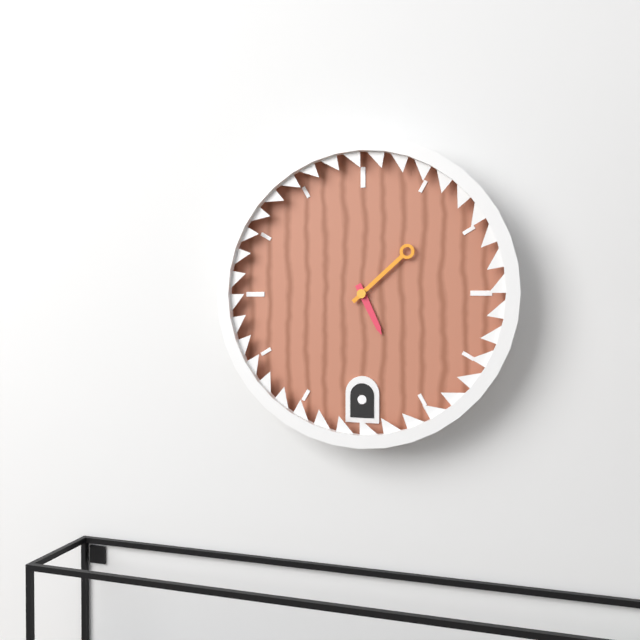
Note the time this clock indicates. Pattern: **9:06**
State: **5:08**
